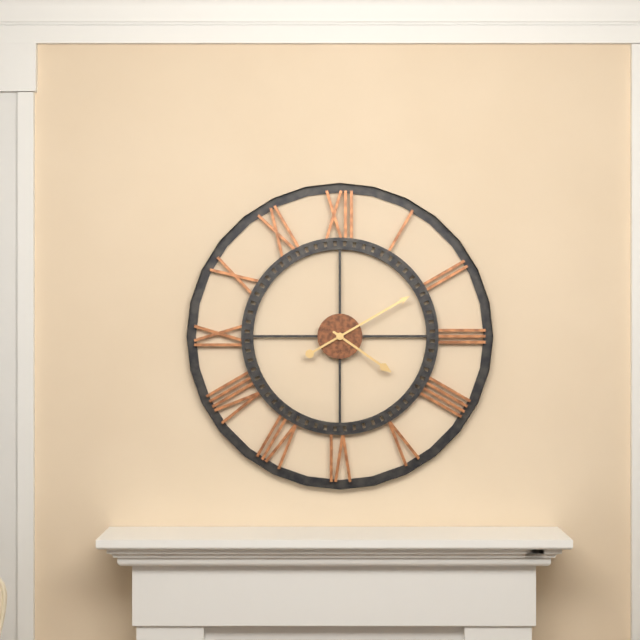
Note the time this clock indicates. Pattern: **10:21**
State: **4:10**
